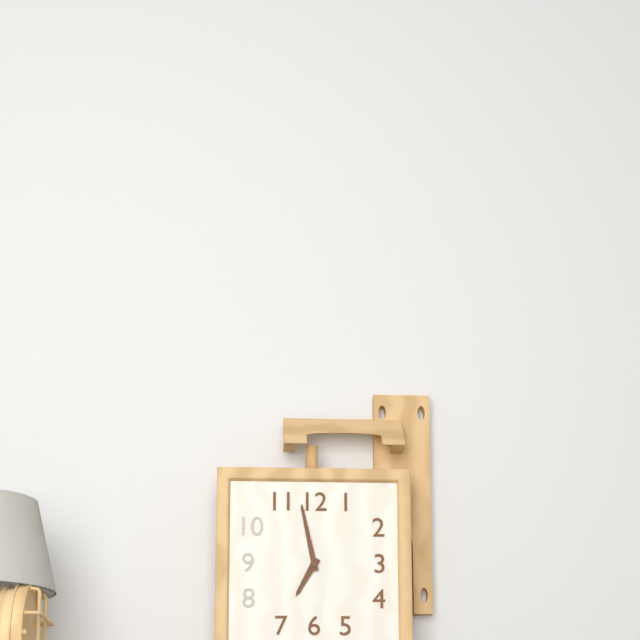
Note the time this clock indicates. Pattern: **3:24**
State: **6:58**
